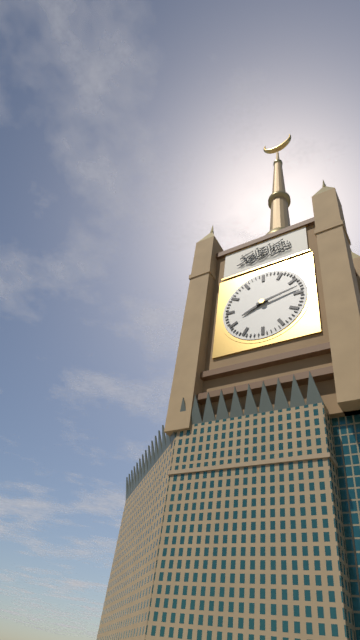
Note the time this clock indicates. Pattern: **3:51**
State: **8:13**
